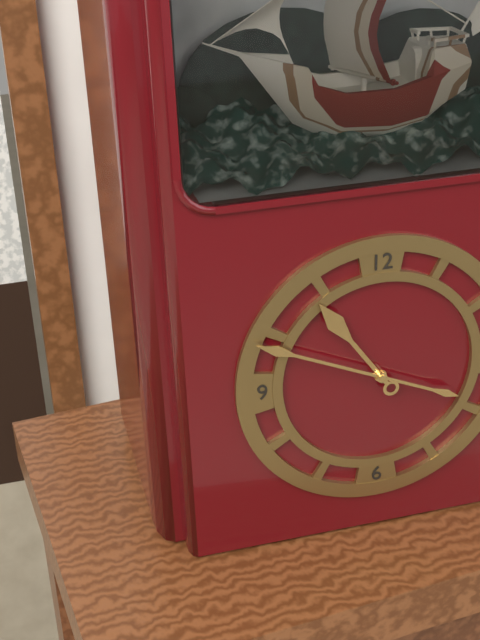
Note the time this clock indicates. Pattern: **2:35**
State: **10:49**
